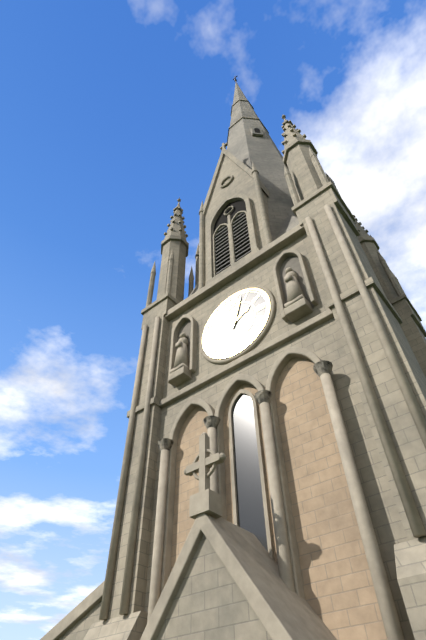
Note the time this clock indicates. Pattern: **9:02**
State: **2:03**
